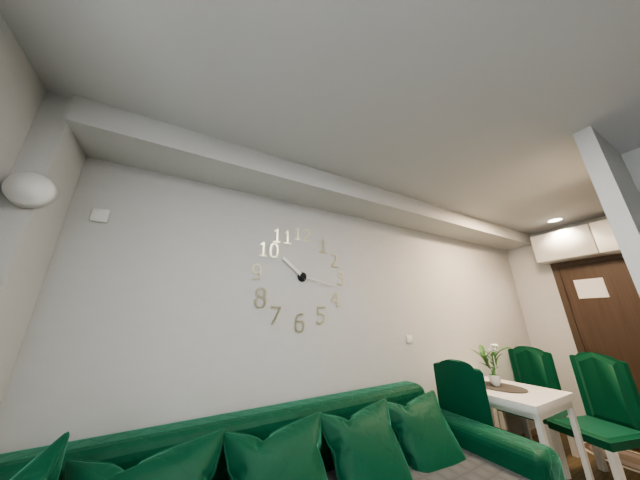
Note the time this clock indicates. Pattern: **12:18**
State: **10:17**
